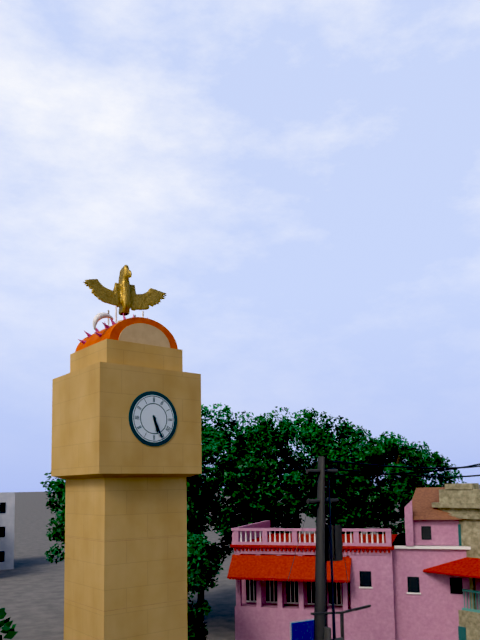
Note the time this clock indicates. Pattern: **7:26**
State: **5:26**
